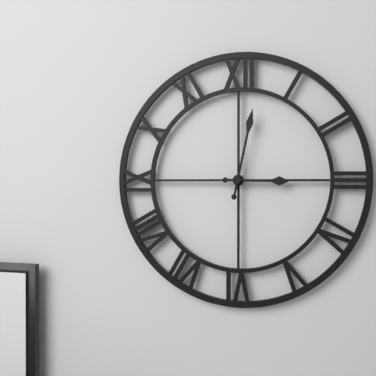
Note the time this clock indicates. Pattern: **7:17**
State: **3:02**
